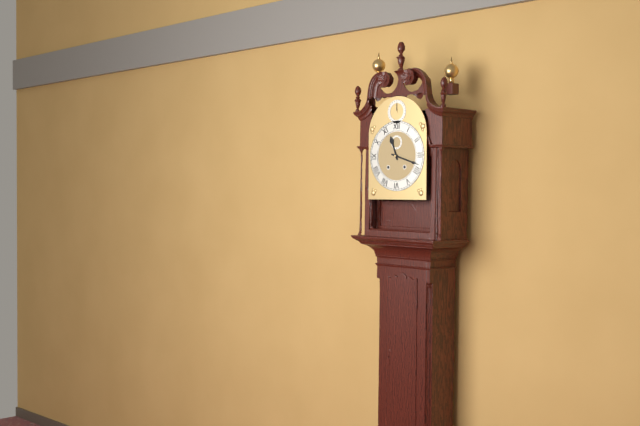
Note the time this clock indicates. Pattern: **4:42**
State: **11:18**
